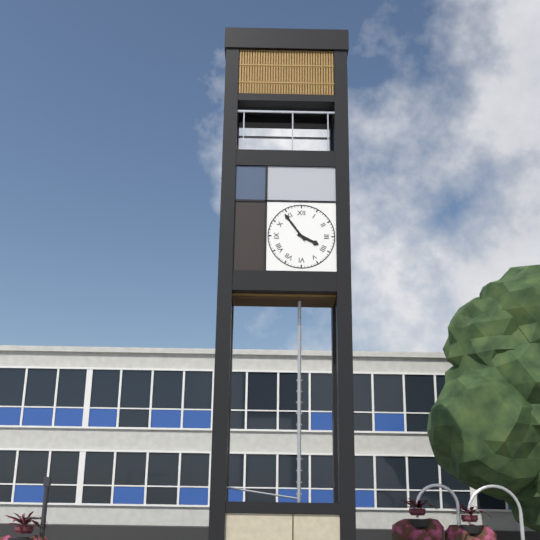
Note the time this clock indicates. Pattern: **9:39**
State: **3:54**
